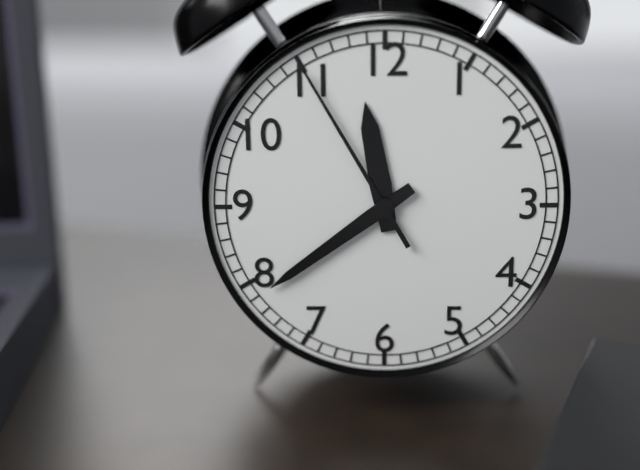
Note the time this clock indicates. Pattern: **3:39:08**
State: **11:39:55**
